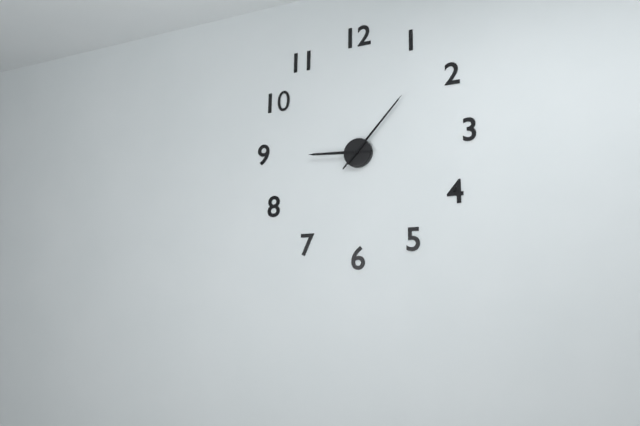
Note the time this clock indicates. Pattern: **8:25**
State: **9:07**
